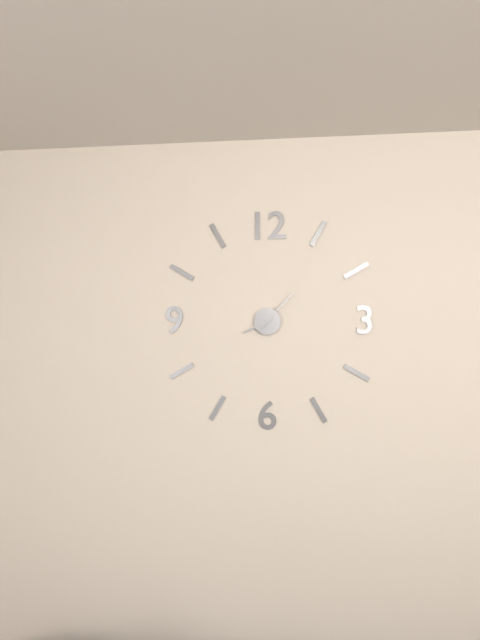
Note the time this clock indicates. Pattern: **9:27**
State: **8:07**
